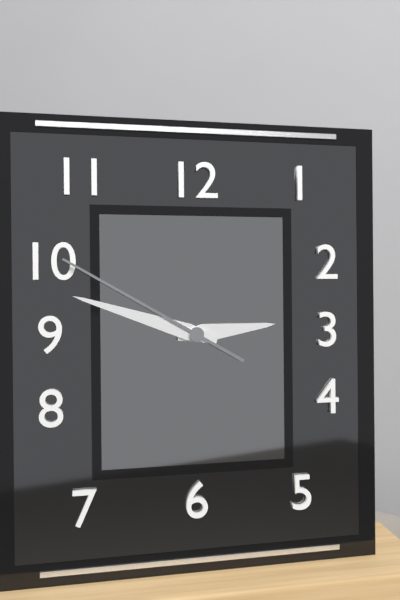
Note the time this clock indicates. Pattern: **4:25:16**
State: **2:48:50**
